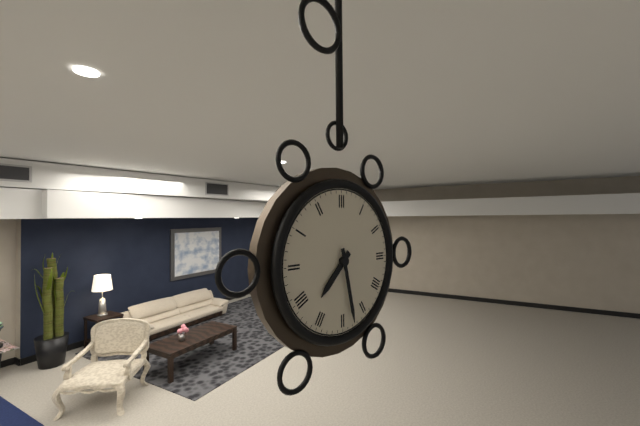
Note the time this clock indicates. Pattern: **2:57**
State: **7:28**
